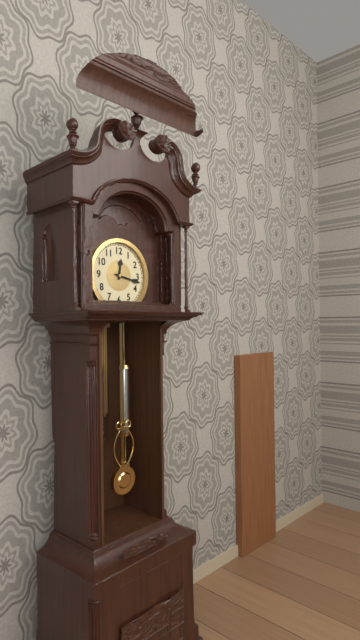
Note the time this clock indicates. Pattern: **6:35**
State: **12:17**
